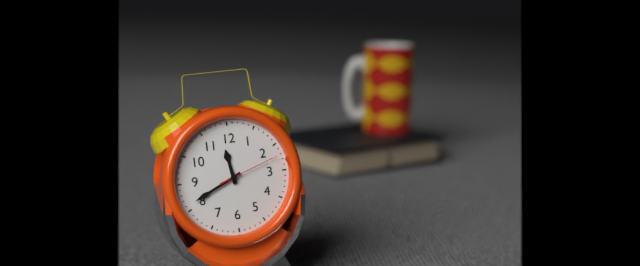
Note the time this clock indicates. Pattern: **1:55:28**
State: **11:41:12**
